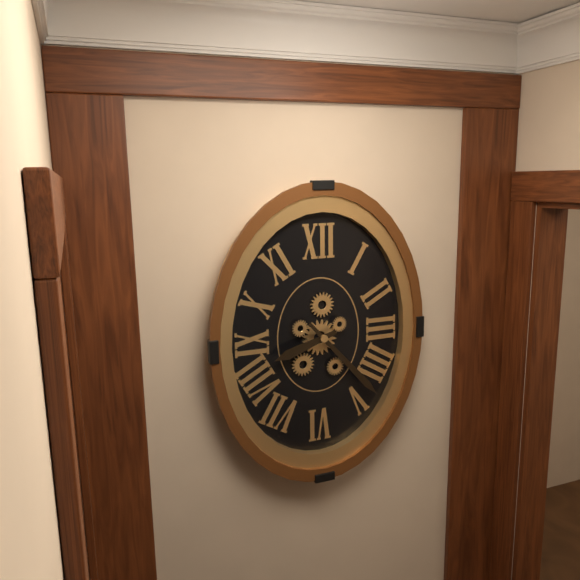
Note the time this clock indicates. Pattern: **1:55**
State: **8:23**
